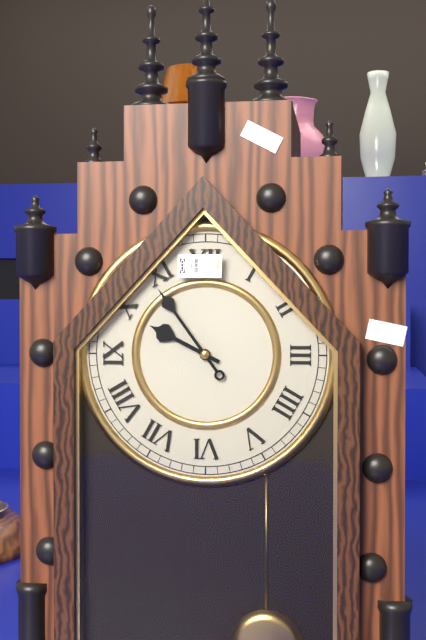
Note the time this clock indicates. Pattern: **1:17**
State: **9:54**
